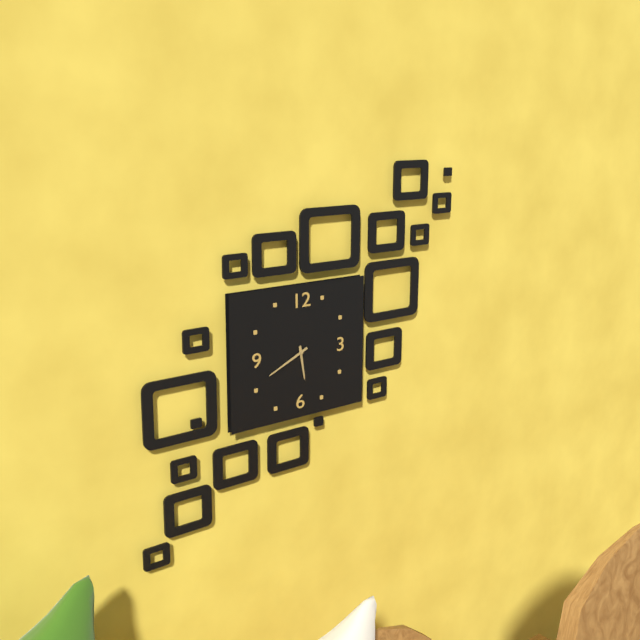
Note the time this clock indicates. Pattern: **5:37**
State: **5:41**
